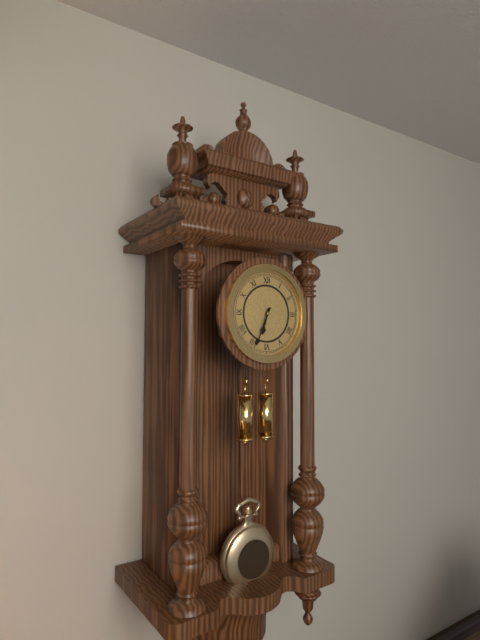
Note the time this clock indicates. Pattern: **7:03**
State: **6:34**
